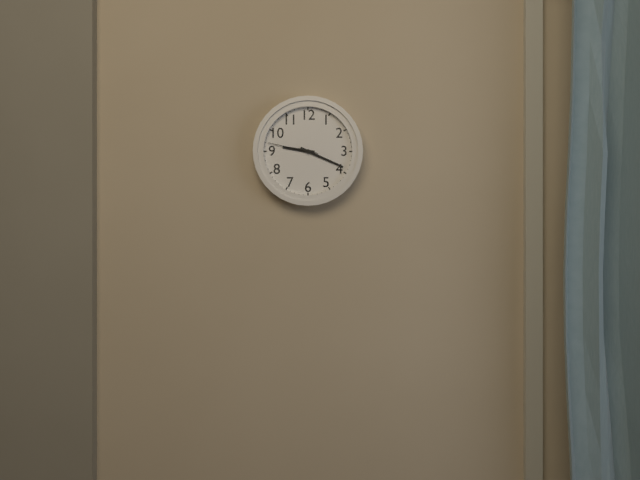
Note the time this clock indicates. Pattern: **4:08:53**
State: **9:19:47**
